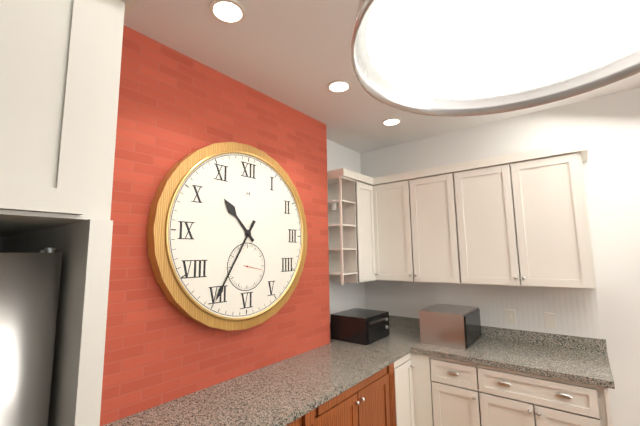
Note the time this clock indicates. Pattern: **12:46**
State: **10:35**
